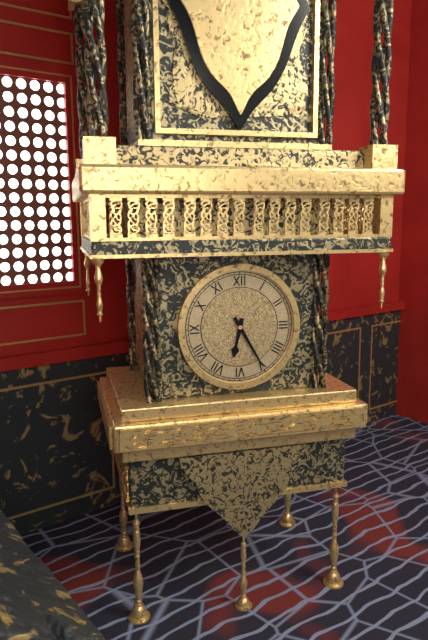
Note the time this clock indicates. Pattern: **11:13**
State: **6:25**
